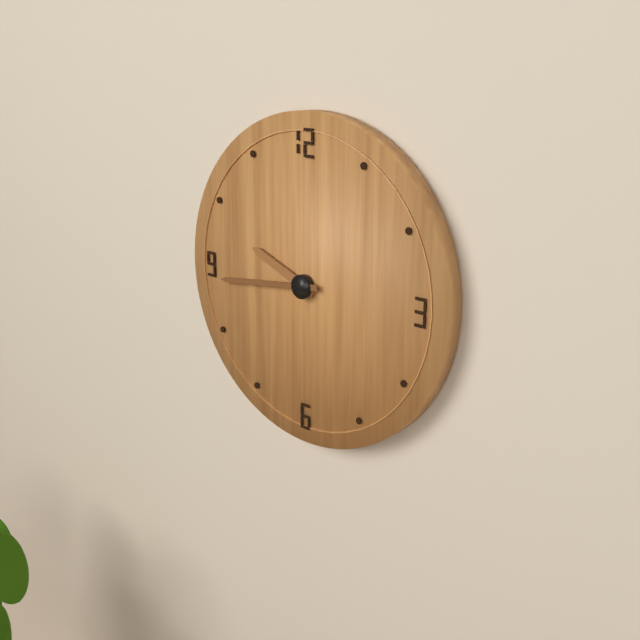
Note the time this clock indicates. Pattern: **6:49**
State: **9:44**
